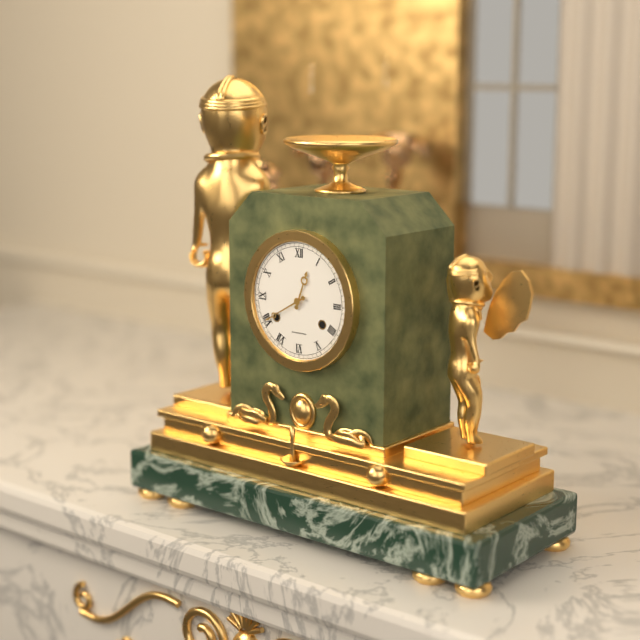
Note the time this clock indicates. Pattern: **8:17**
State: **12:40**
